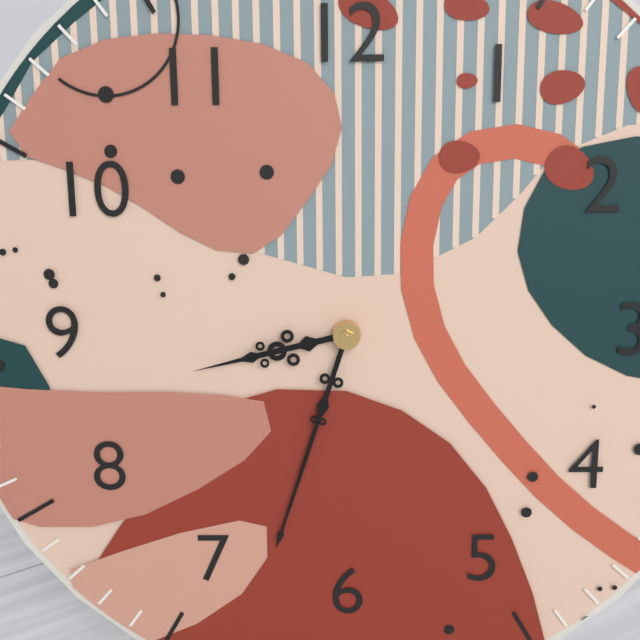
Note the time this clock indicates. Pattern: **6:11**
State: **8:33**
